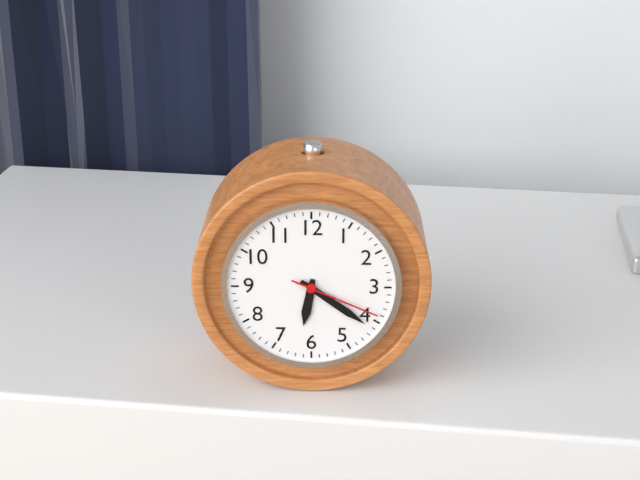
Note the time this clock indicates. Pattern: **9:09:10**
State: **6:21:19**
